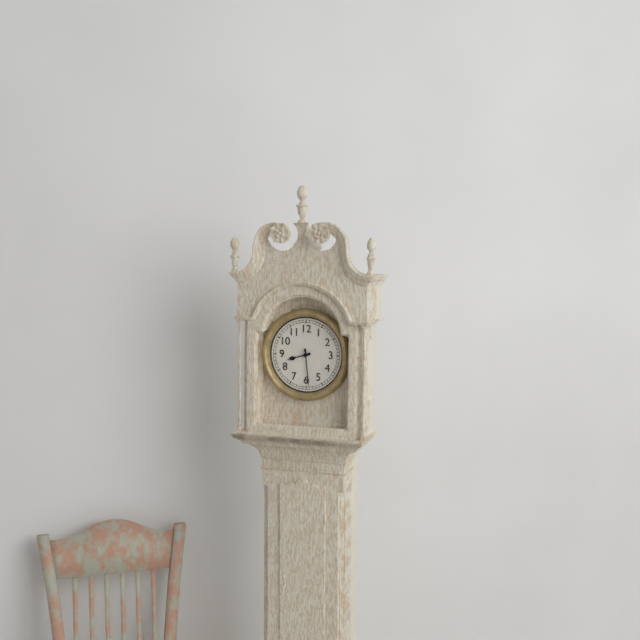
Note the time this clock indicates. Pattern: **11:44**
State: **8:29**
